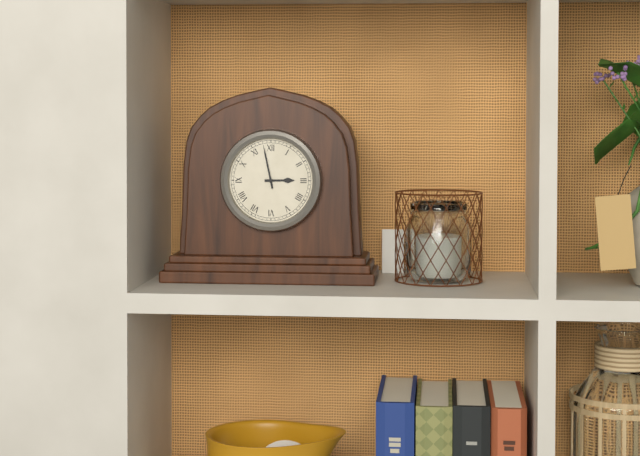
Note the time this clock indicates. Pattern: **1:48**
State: **2:58**
